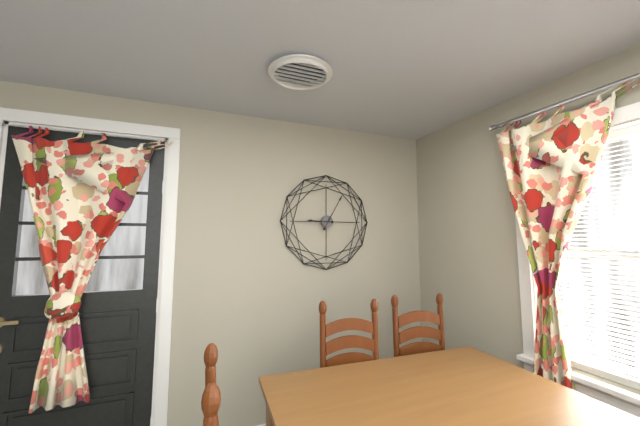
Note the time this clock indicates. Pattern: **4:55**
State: **9:05**
